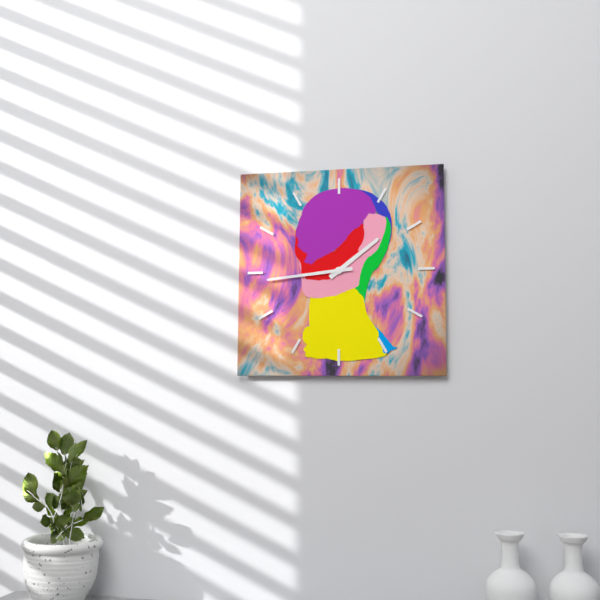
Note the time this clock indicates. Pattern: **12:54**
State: **1:44**
